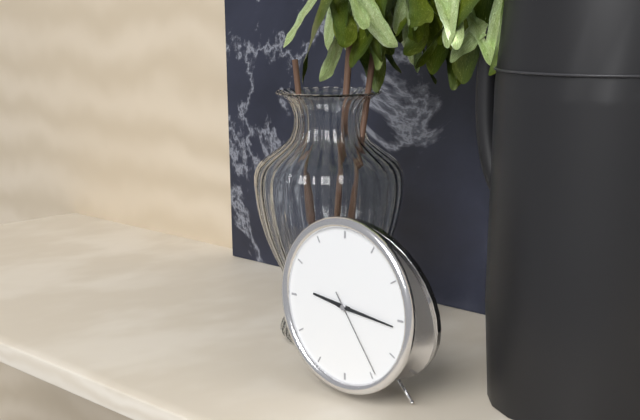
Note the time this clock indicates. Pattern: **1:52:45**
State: **9:16:24**
